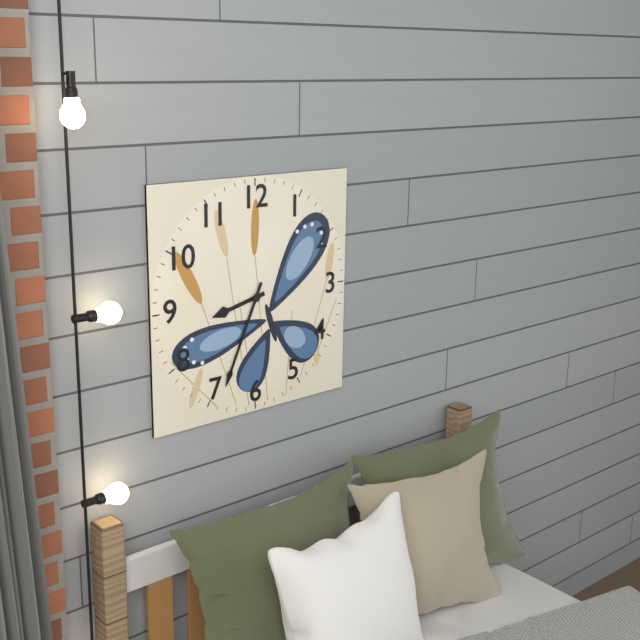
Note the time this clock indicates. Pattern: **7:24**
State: **8:34**
